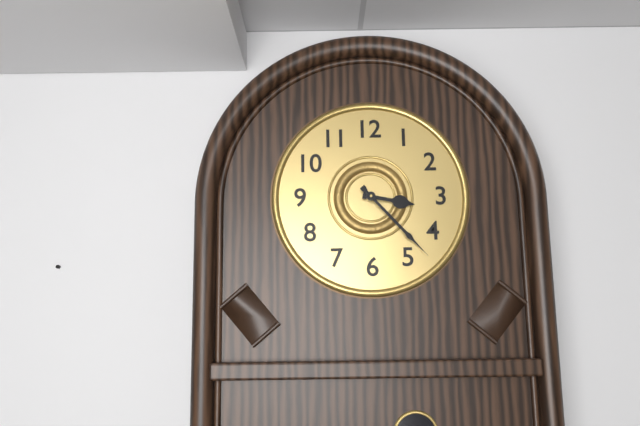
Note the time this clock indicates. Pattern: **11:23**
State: **3:23**
